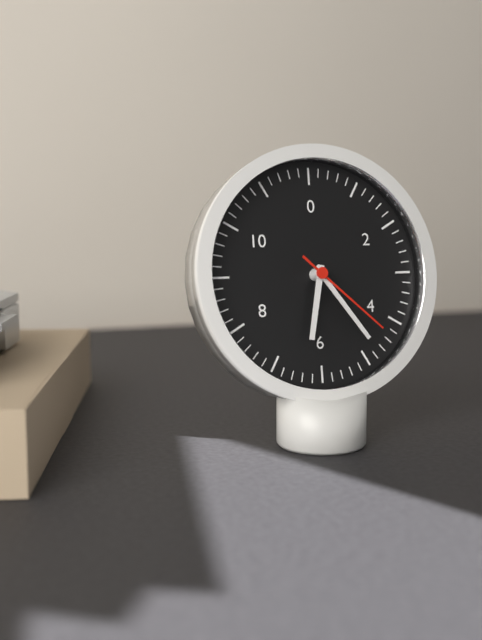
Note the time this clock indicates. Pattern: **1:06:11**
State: **6:24:22**
